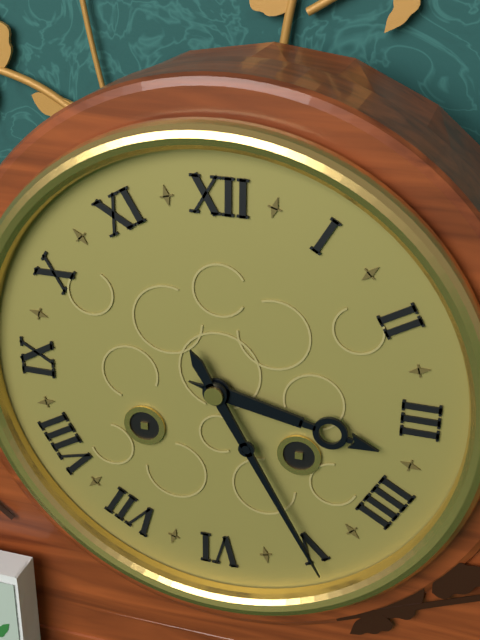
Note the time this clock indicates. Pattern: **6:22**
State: **3:25**
